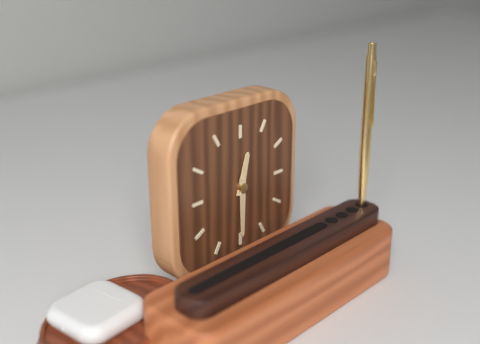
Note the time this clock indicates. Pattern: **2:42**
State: **12:30**
